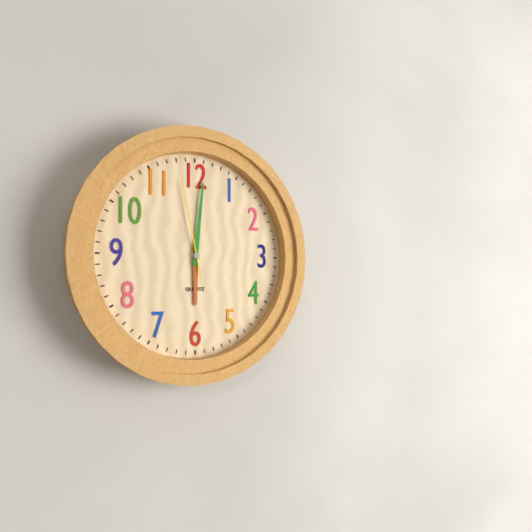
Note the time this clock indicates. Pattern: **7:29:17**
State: **6:01:58**
